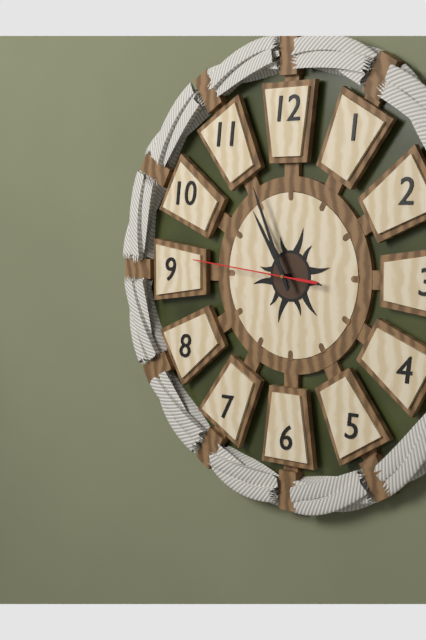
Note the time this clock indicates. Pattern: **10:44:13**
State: **10:56:46**
